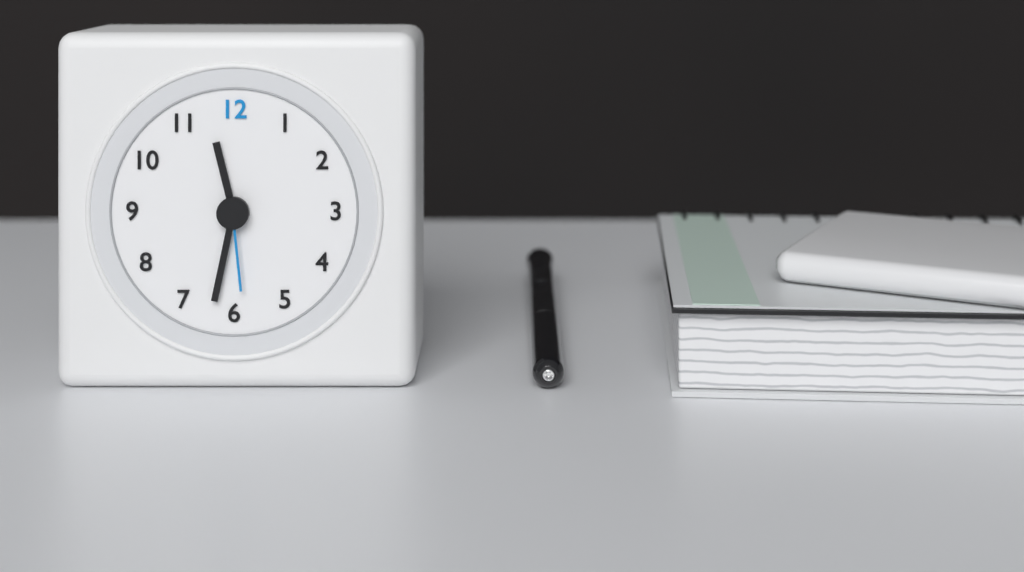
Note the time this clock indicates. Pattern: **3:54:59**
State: **11:32:29**
